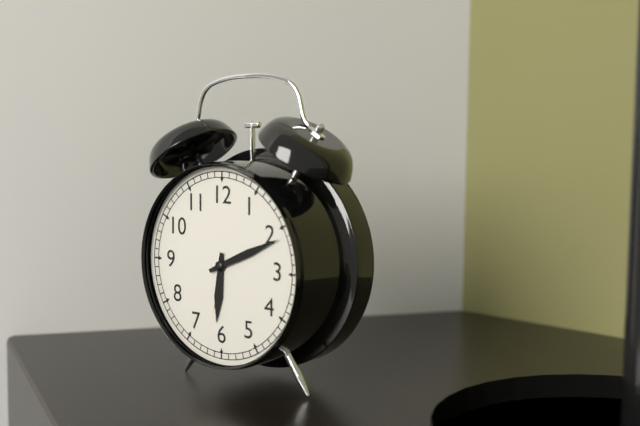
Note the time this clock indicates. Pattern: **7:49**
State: **6:11**
